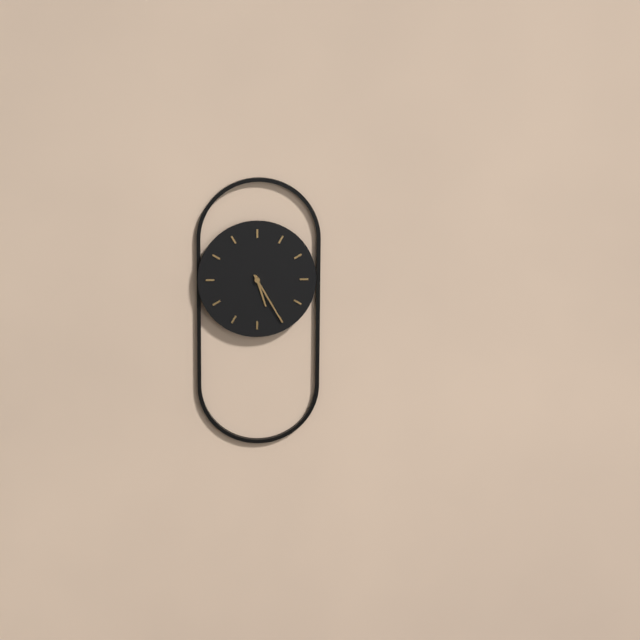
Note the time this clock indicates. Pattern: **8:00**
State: **5:25**
